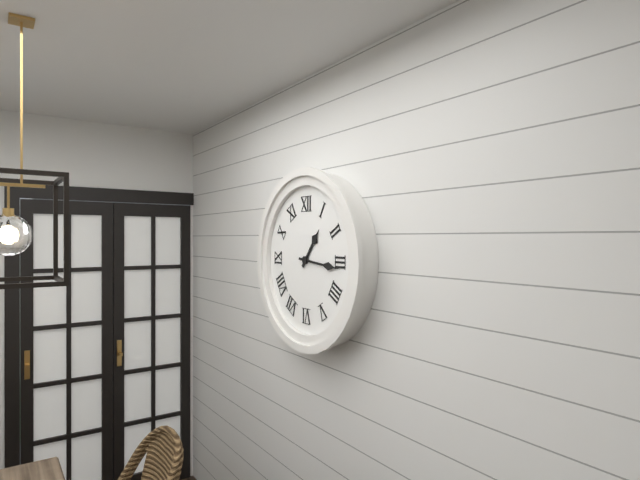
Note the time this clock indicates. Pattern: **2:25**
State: **1:16**
